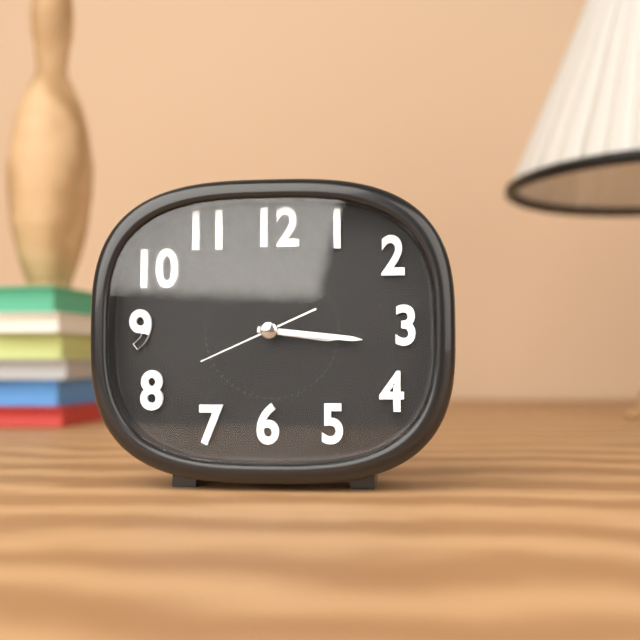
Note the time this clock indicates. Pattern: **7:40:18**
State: **3:16:41**
